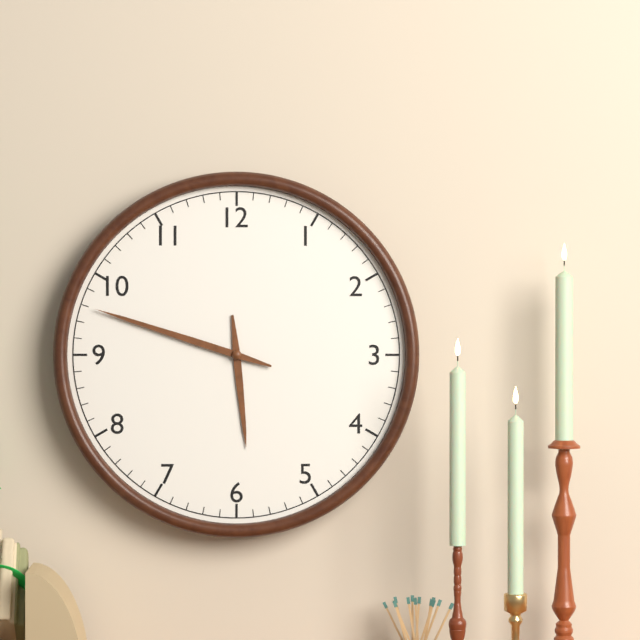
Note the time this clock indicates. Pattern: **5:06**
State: **5:48**
